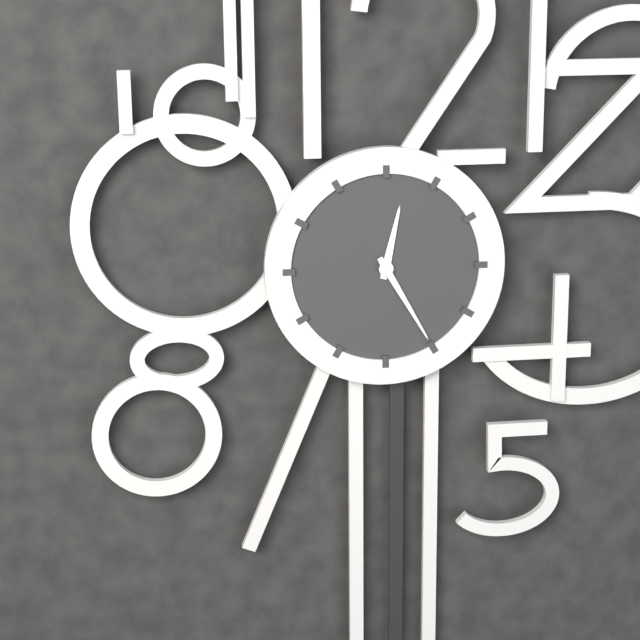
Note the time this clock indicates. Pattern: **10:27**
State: **12:25**
